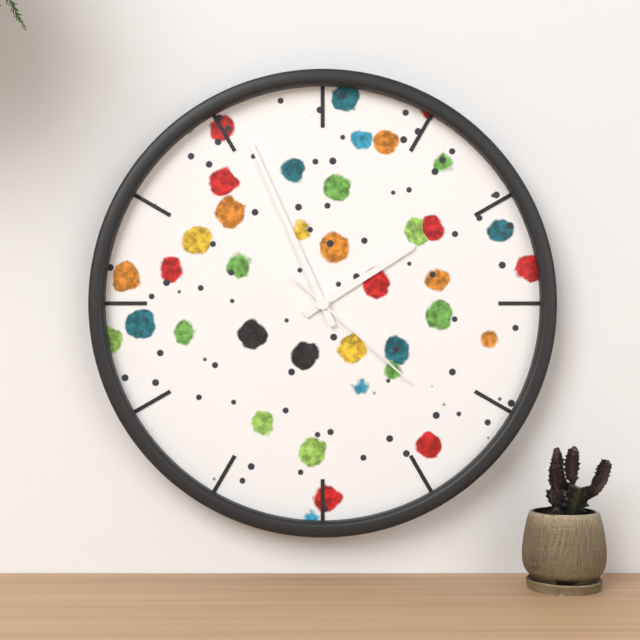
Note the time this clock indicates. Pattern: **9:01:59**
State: **1:56:22**
